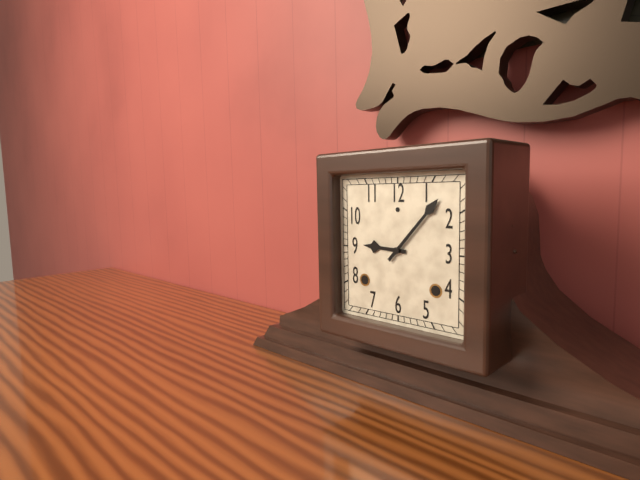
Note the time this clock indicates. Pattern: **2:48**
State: **9:07**
